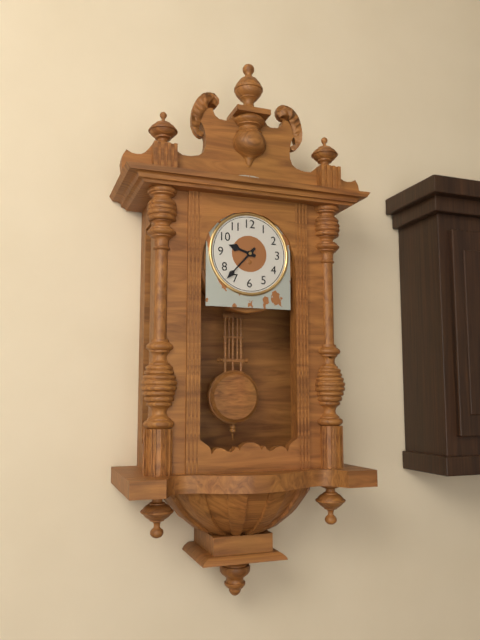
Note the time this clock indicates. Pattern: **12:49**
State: **9:37**
